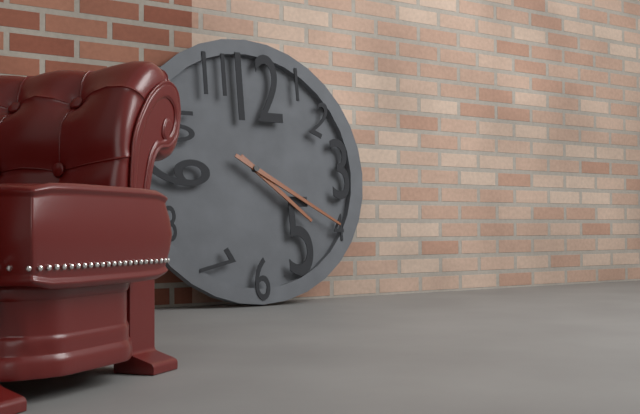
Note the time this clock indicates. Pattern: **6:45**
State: **4:20**
